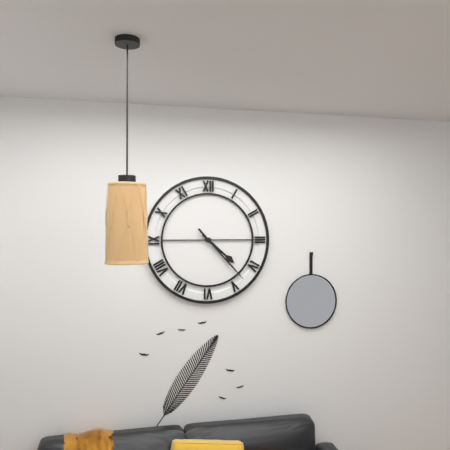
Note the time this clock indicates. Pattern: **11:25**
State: **4:23**
